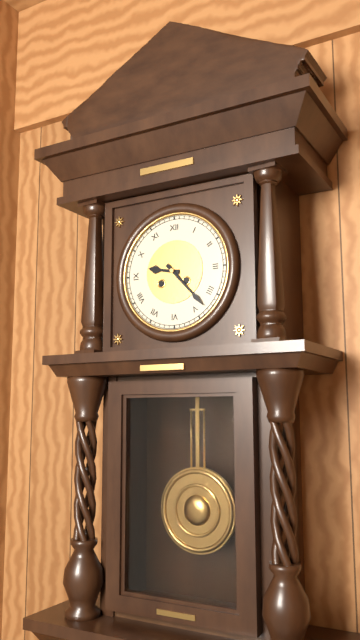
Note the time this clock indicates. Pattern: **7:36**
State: **9:23**
